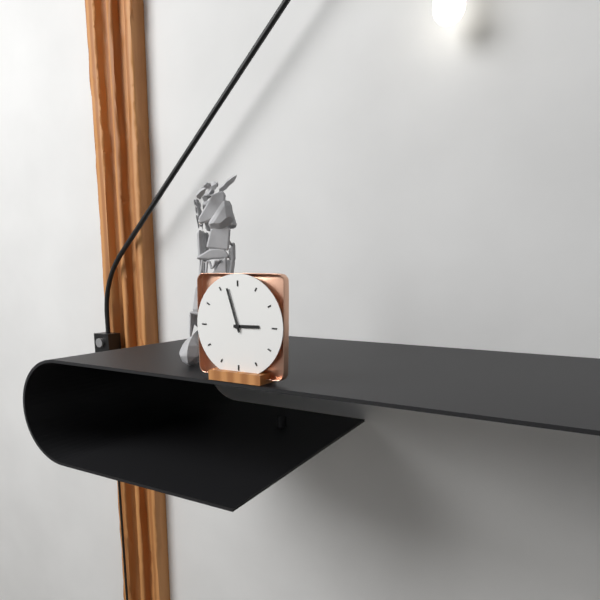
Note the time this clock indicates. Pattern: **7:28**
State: **2:57**
